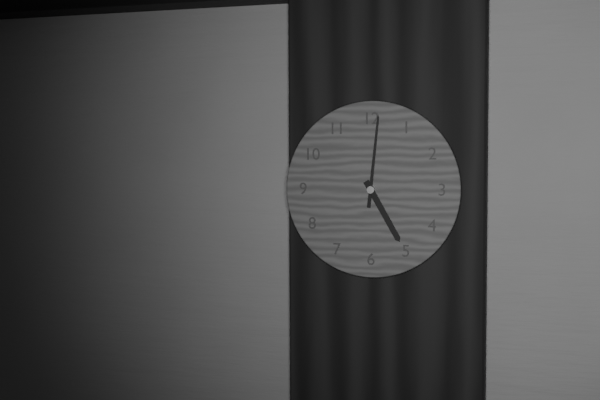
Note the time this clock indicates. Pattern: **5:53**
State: **5:01**
